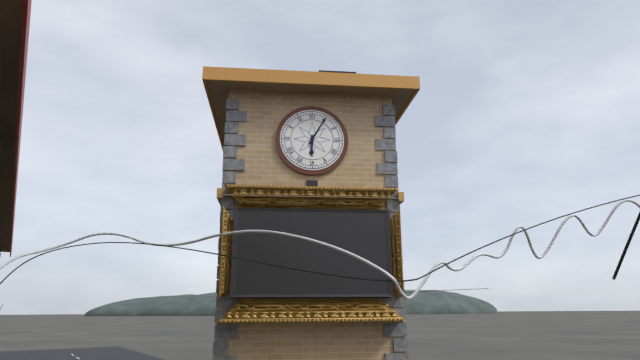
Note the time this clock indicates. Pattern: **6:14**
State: **6:05**
